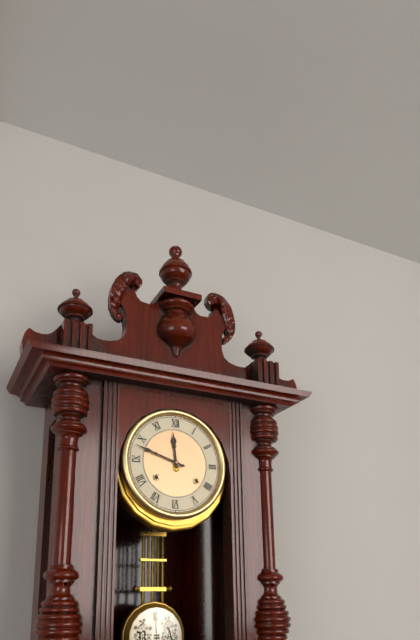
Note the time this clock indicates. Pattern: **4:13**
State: **11:48**
